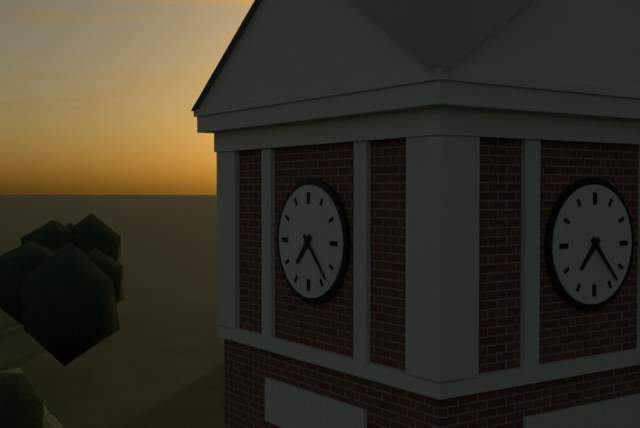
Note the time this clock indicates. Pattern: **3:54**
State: **7:23**
